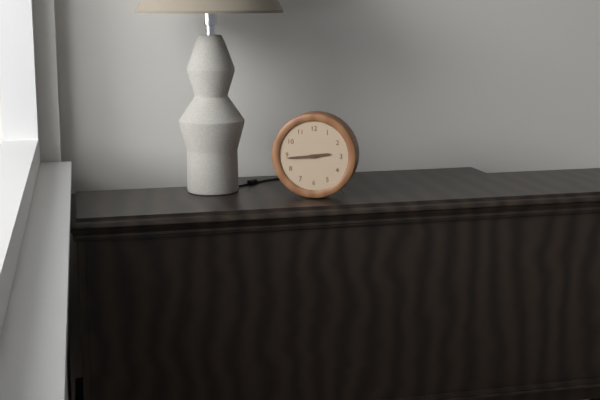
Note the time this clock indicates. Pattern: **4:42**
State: **2:44**
